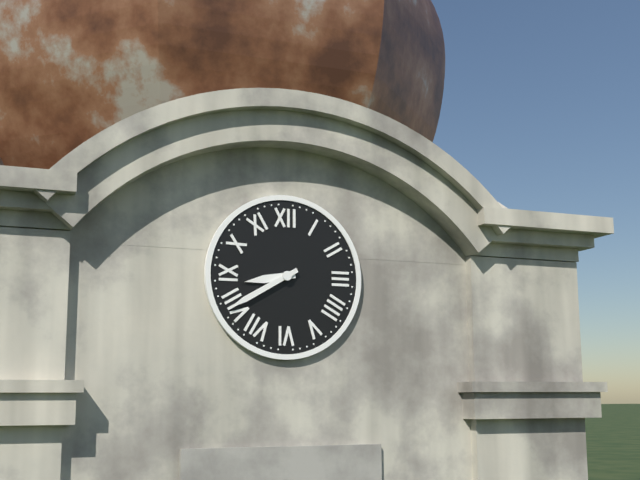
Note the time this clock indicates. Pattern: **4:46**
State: **8:40**
